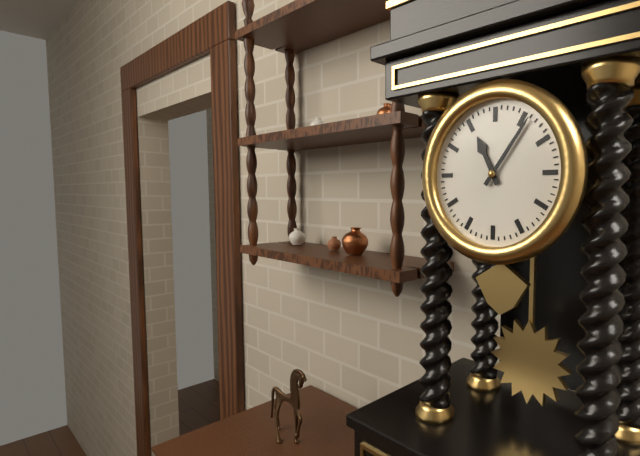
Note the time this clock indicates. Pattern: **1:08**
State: **11:06**
